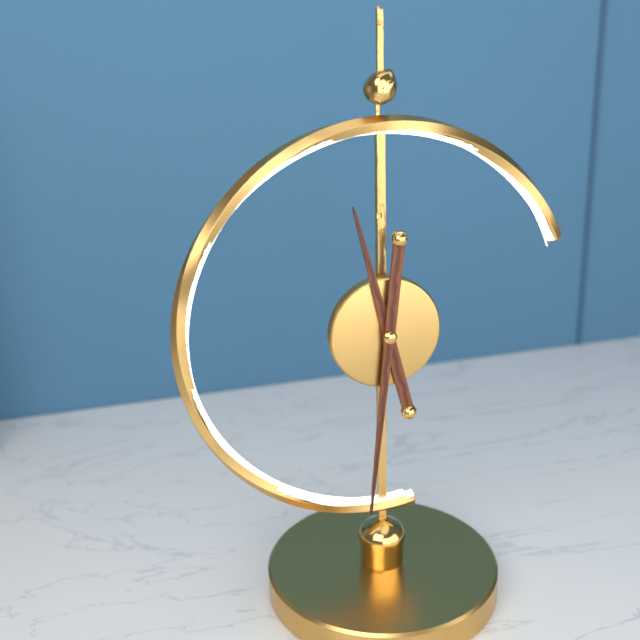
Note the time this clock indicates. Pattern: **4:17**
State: **11:31**
